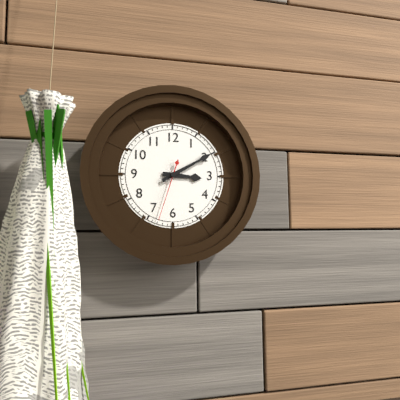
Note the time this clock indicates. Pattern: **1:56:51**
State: **3:10:33**
